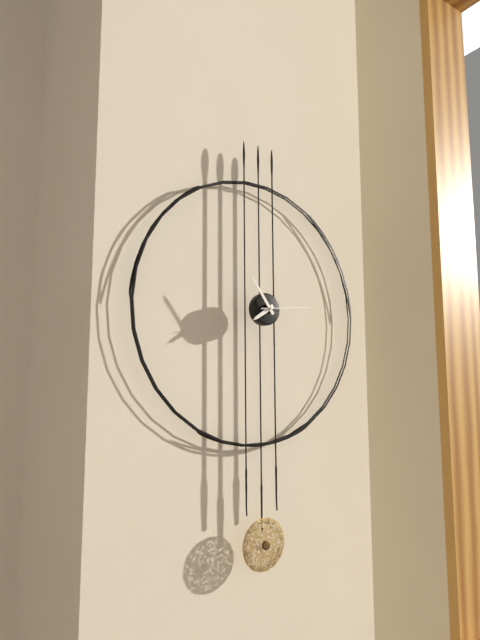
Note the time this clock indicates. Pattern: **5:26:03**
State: **7:54:14**
